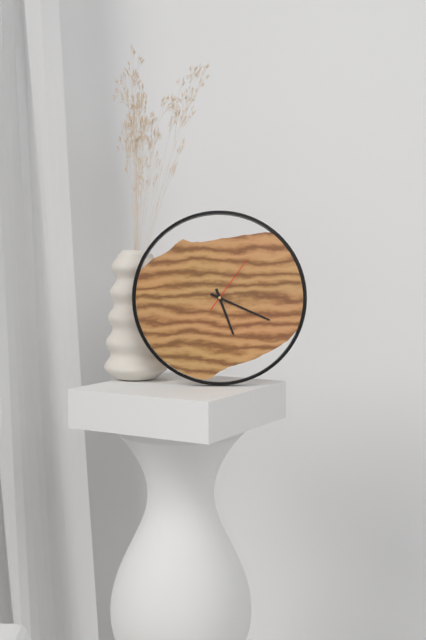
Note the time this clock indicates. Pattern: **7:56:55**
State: **5:19:06**
